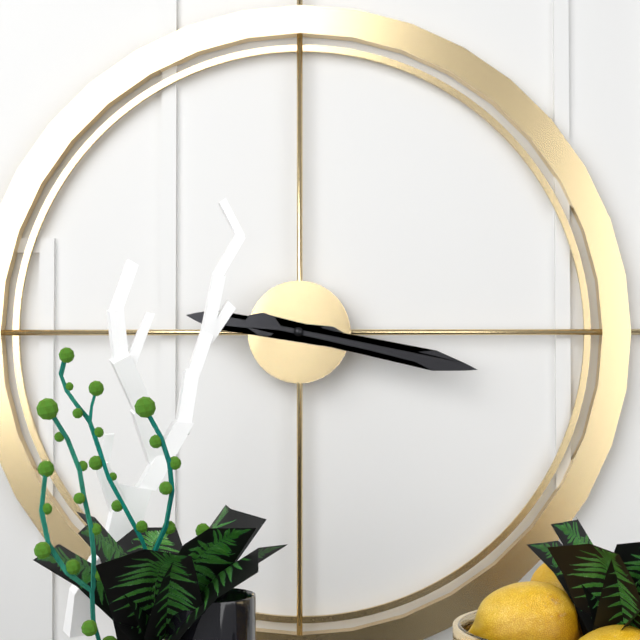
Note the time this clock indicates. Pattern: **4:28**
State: **9:17**
